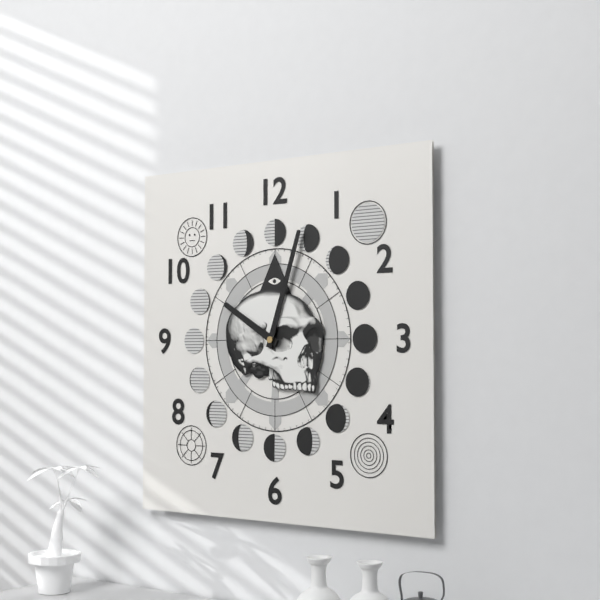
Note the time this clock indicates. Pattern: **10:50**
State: **10:03**
